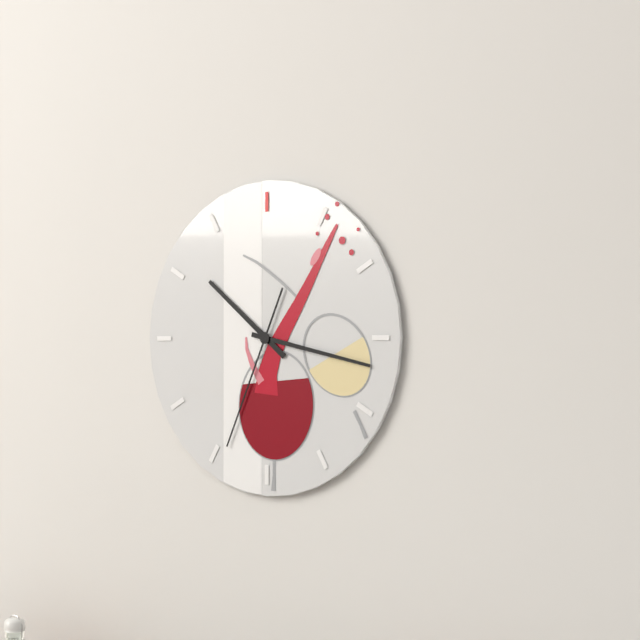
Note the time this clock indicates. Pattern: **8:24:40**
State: **10:17:34**
